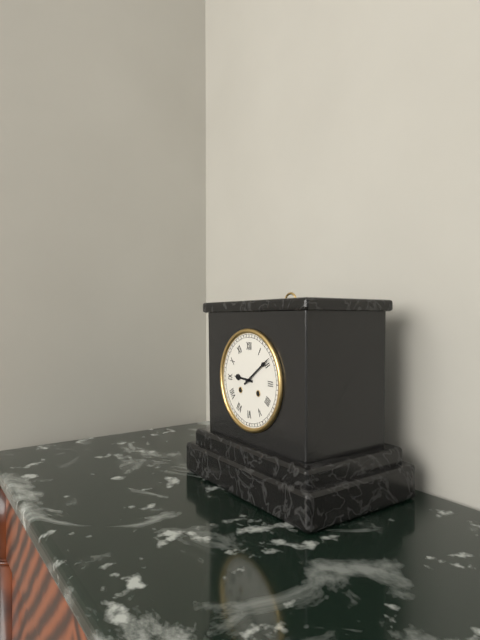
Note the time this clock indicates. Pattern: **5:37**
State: **9:09**
